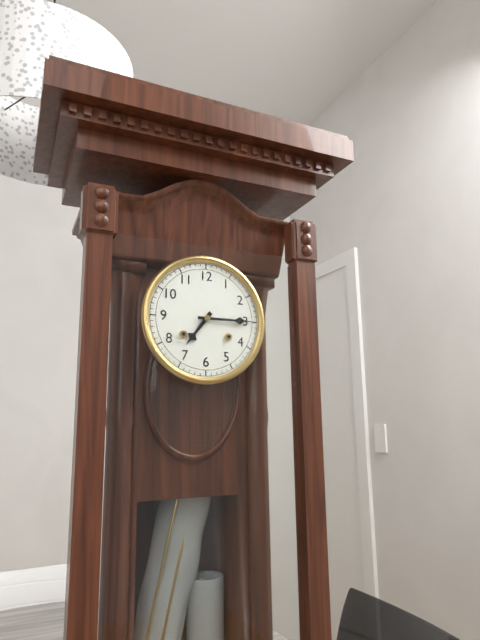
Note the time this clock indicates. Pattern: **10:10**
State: **7:15**
